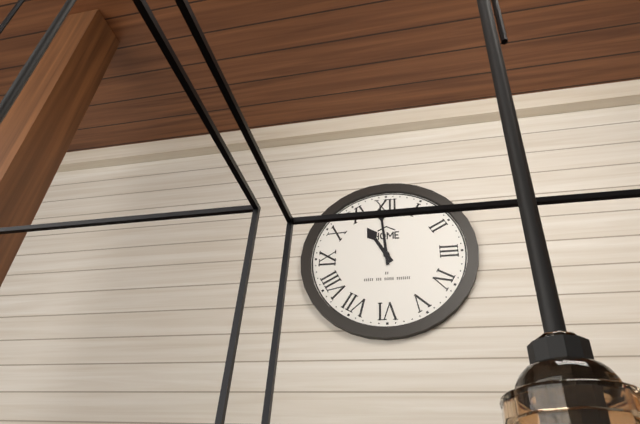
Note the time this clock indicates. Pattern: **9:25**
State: **10:59**
